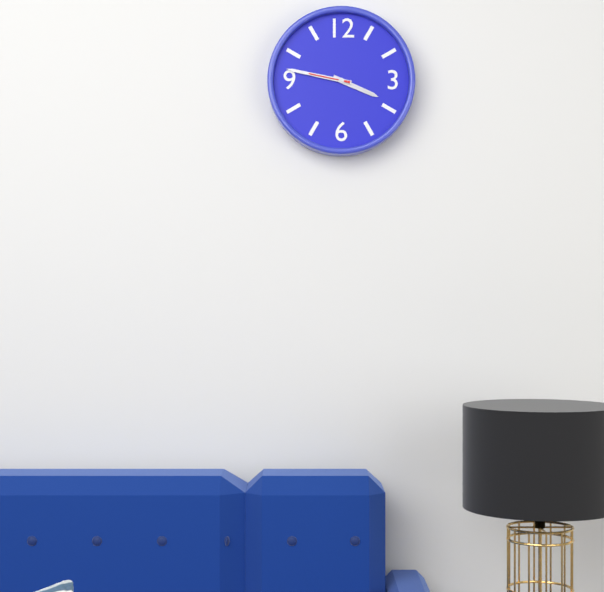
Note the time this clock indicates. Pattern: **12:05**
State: **3:47**
